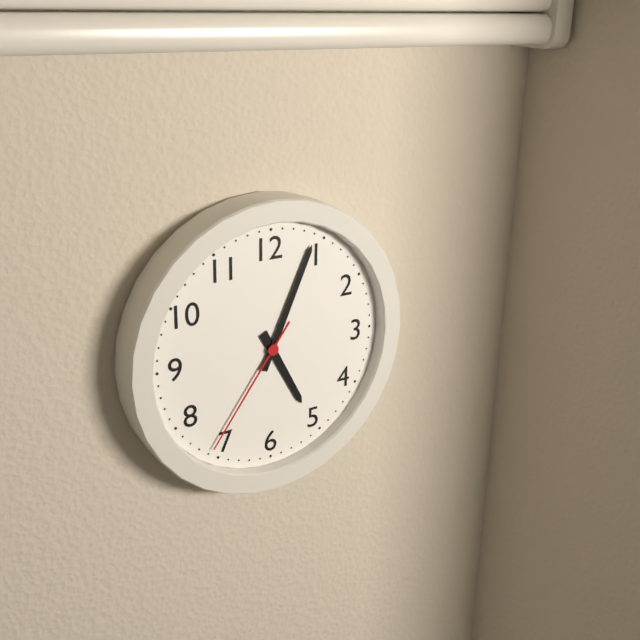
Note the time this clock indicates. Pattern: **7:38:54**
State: **5:04:36**
